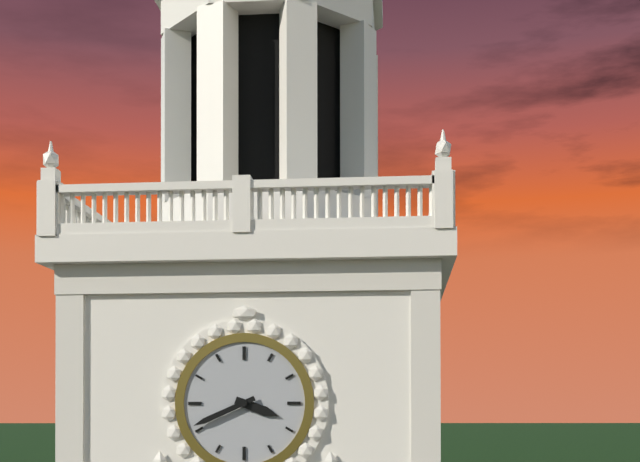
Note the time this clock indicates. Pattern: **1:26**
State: **3:41**
